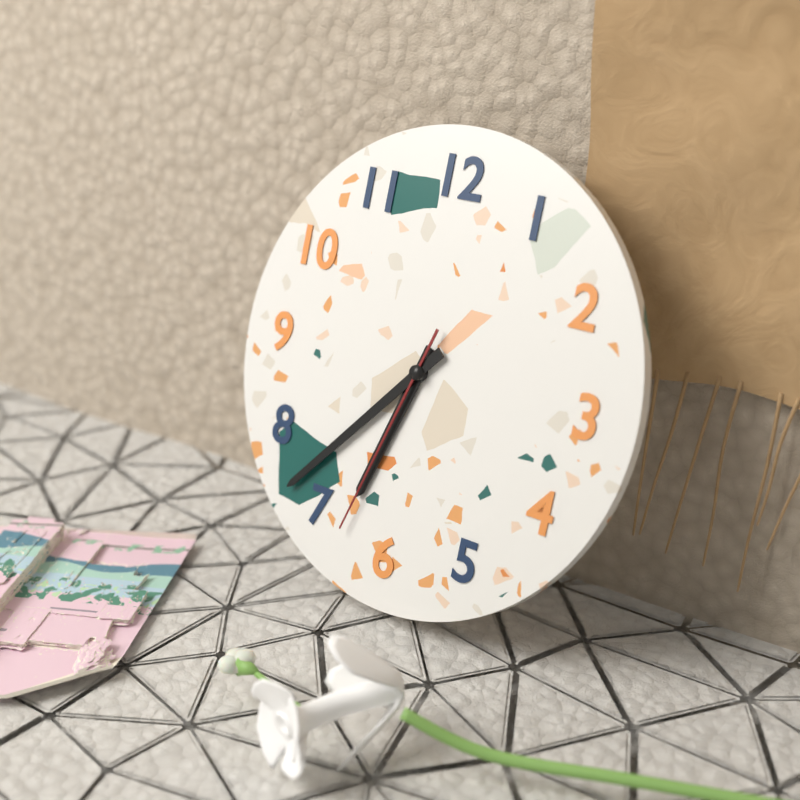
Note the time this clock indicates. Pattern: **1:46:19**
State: **6:37:33**
